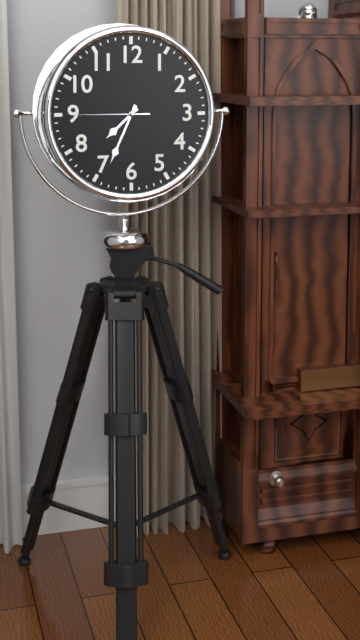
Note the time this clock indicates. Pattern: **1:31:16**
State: **7:34:45**
